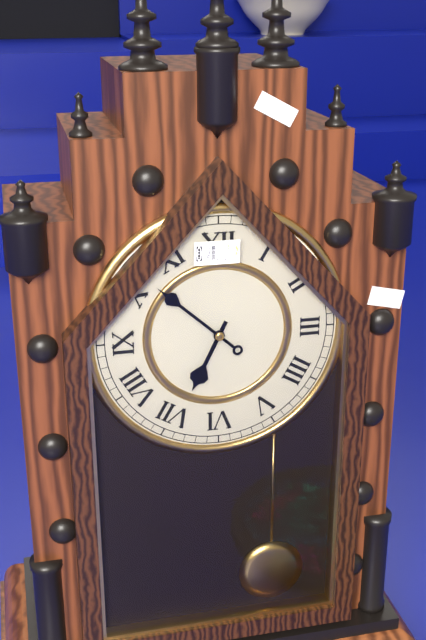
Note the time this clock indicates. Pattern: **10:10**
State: **6:52**
